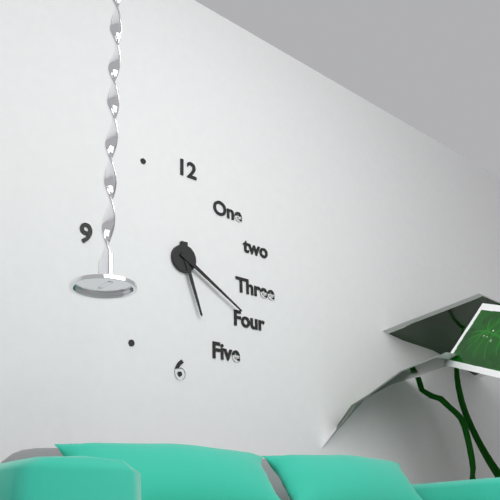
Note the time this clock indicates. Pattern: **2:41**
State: **5:20**
